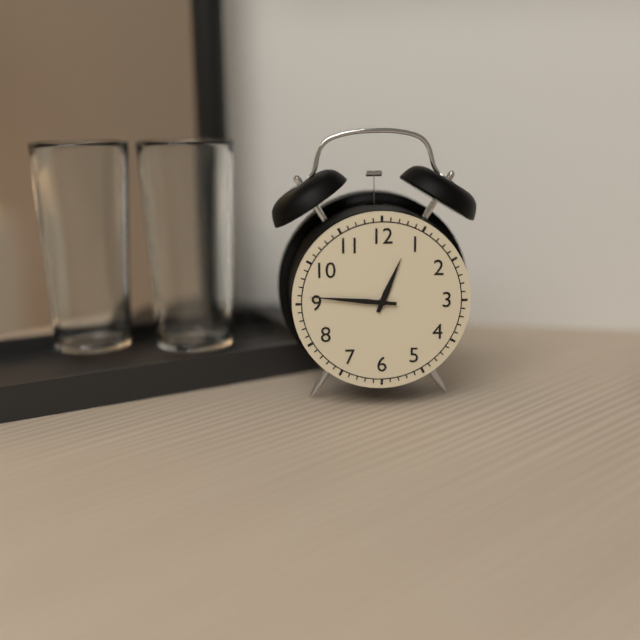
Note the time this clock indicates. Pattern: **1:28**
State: **12:46**
